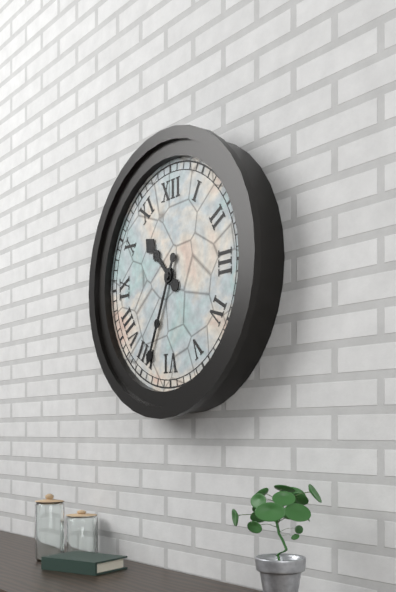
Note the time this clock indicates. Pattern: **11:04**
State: **10:34**
